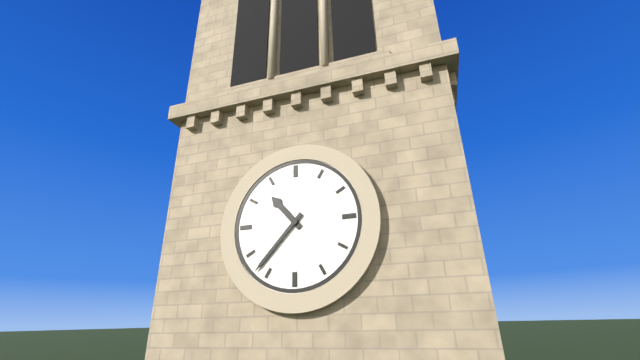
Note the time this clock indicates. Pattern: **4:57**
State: **10:37**
